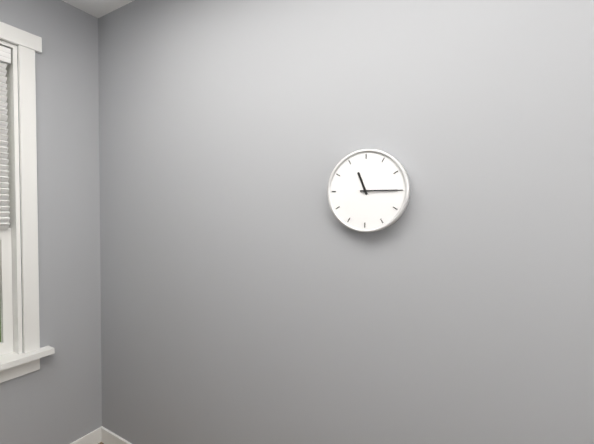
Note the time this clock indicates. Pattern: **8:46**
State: **11:15**
